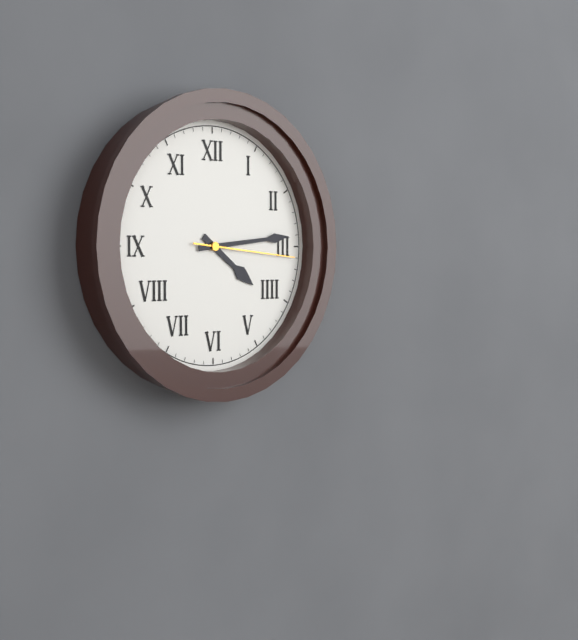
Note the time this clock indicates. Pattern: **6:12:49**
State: **4:14:16**
